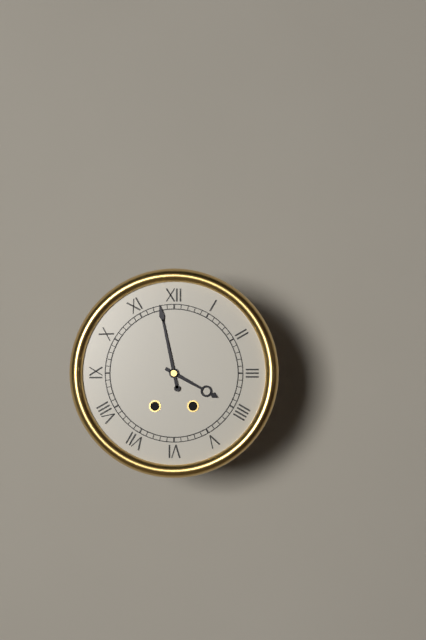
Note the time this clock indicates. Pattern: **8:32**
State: **3:58**
